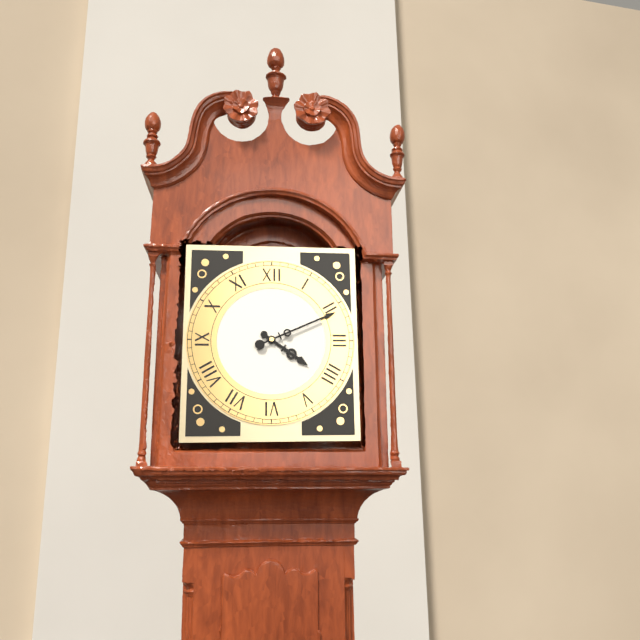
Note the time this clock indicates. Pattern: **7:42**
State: **4:11**
